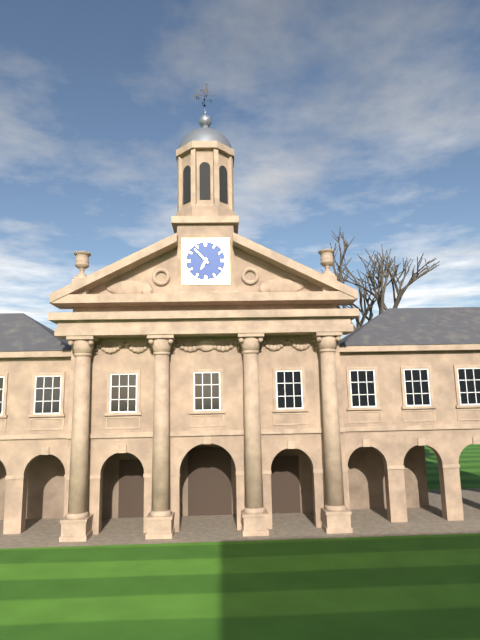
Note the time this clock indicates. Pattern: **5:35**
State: **6:53**
